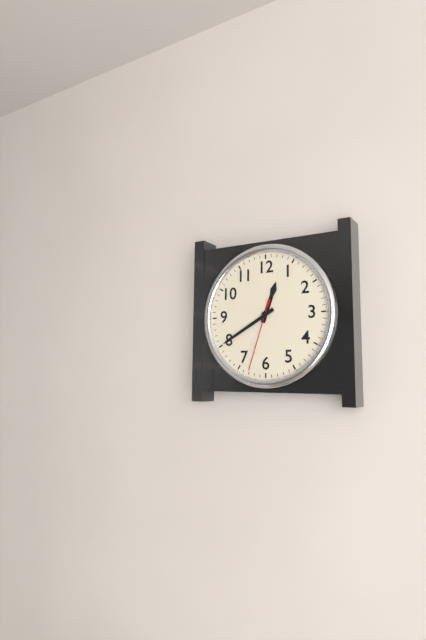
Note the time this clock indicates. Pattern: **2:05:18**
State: **12:40:33**
